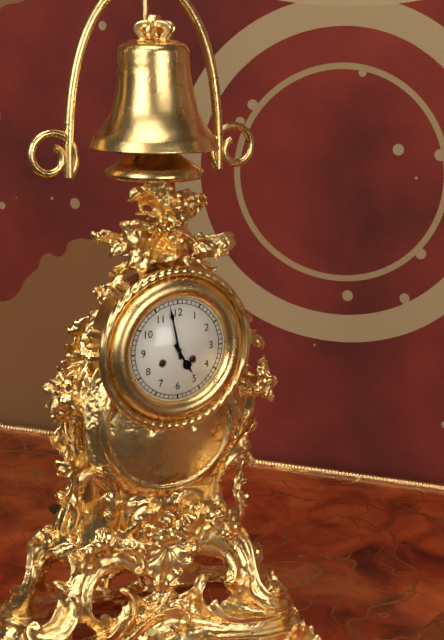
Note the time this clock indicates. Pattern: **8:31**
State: **4:58**
